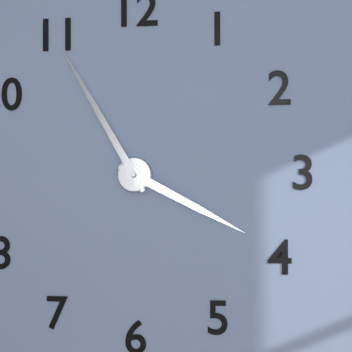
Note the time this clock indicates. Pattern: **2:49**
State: **3:55**
